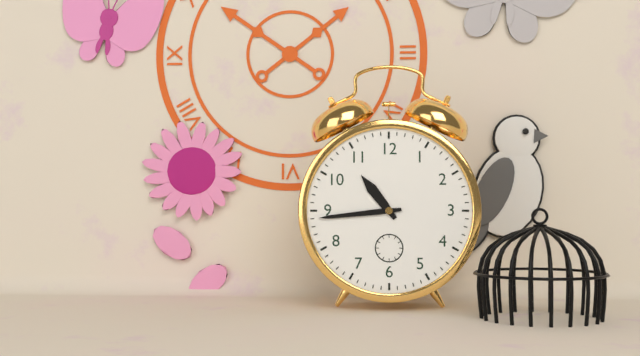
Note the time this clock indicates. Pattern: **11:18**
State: **10:44**
